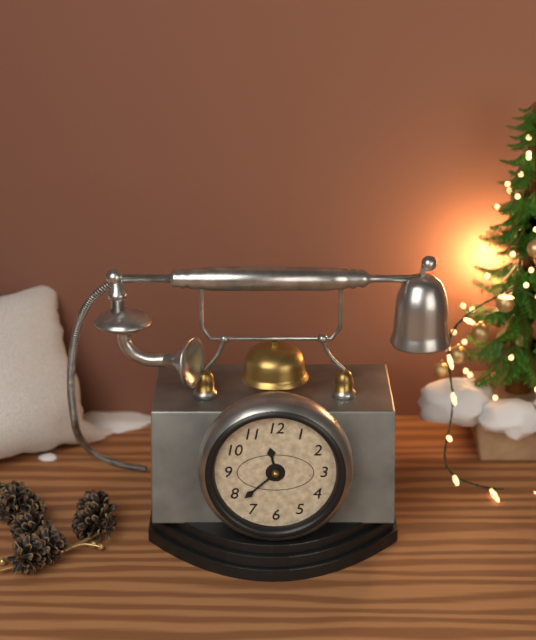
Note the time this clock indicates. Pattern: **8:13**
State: **11:38**
